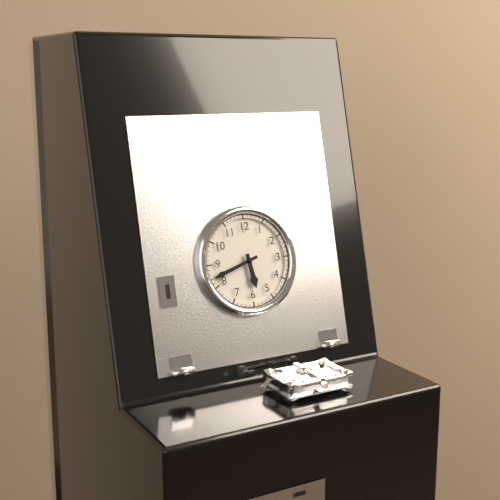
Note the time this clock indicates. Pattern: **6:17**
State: **5:42**
